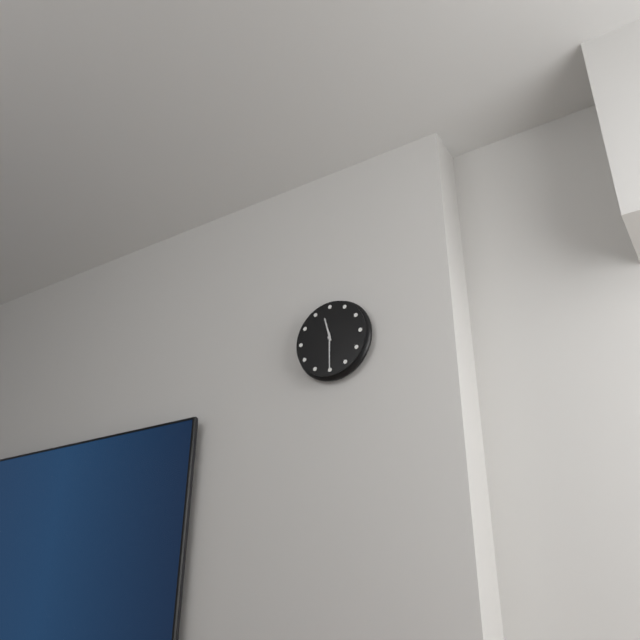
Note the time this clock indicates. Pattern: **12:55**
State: **11:30**
